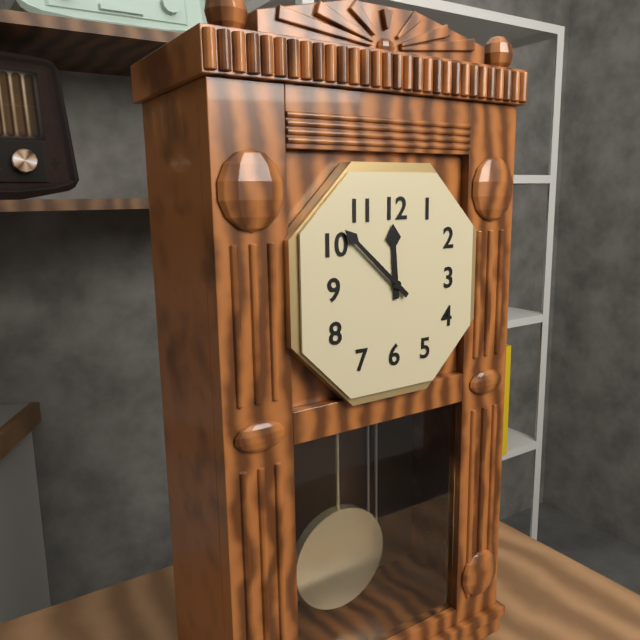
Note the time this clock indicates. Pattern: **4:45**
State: **11:52**
